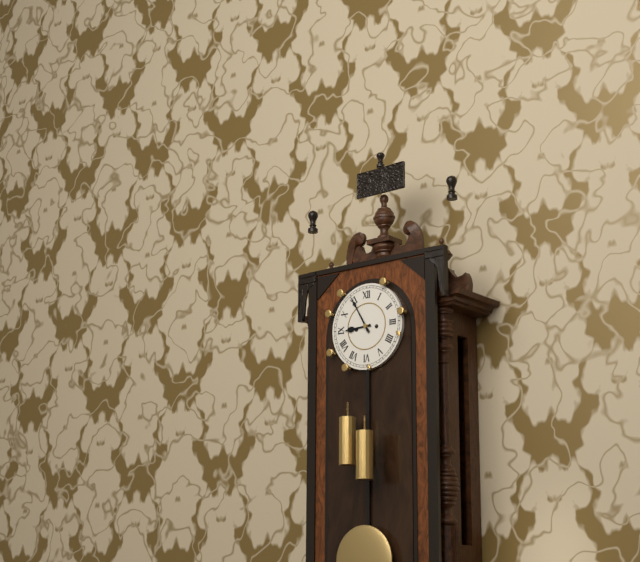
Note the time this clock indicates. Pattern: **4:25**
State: **8:55**
